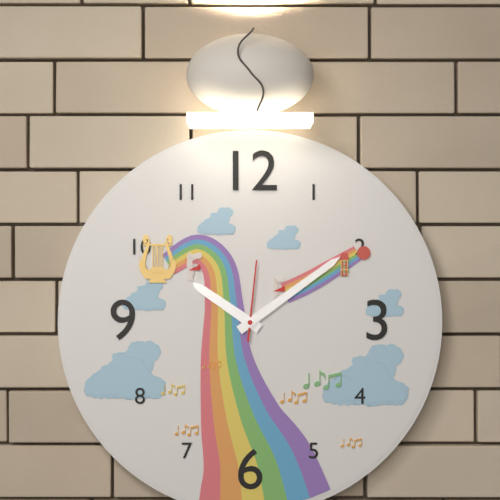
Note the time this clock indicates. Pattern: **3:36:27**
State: **10:09:01**
